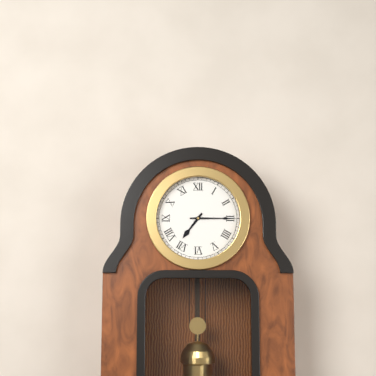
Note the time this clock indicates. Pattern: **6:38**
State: **7:15**
